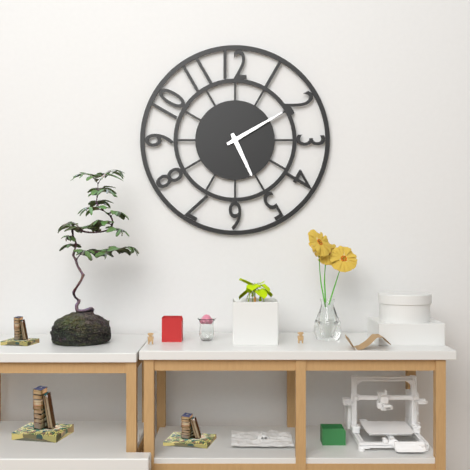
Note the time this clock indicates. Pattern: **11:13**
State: **5:10**
